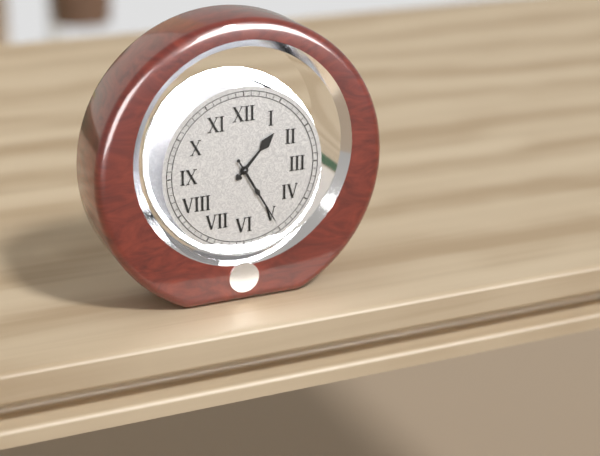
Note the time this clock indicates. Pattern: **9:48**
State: **1:25**
